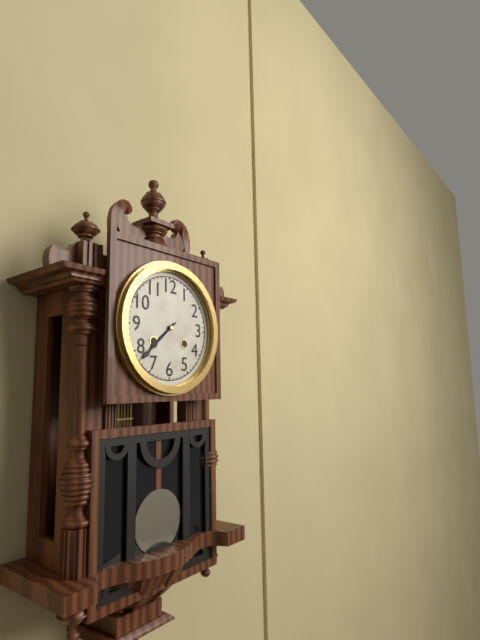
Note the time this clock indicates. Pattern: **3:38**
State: **7:38**
